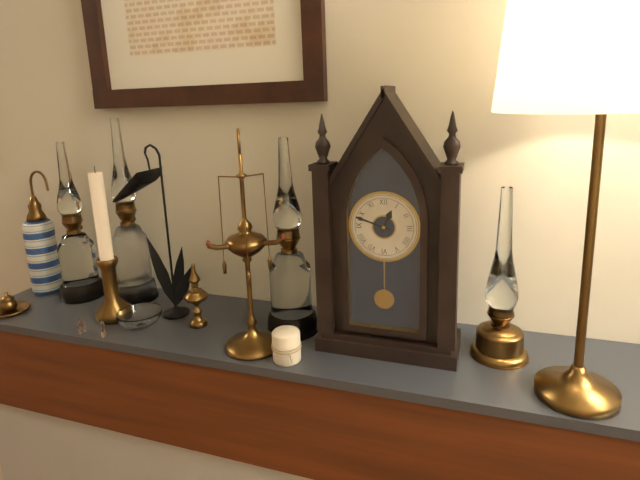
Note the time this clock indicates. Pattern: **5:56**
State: **12:48**
